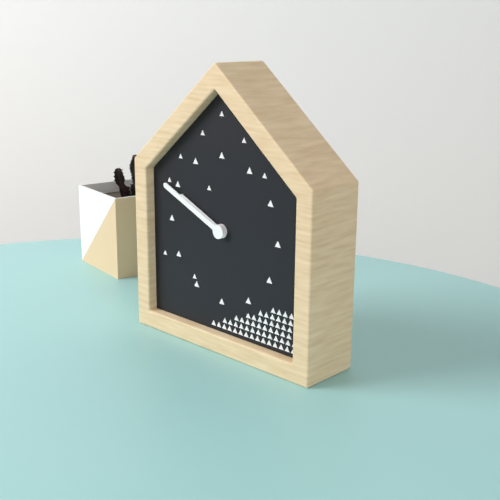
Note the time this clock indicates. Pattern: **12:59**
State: **9:49**
